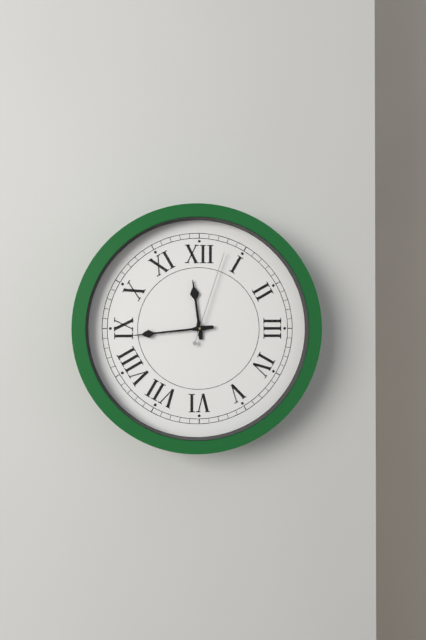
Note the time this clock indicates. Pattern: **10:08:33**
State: **11:44:03**
